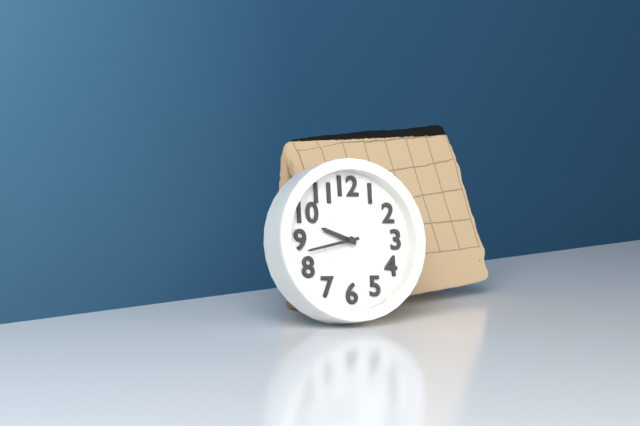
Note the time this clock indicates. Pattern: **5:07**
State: **9:43**
